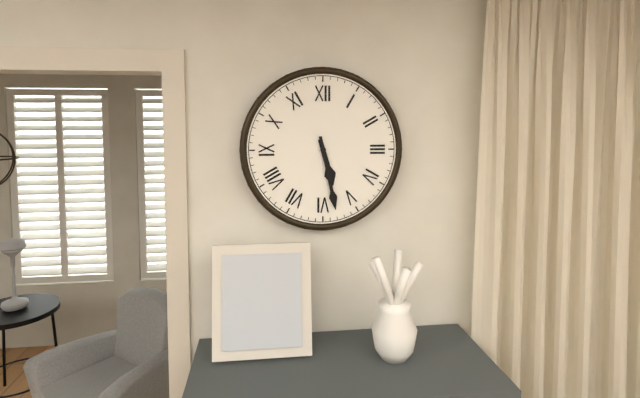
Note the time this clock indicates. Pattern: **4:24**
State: **5:28**
